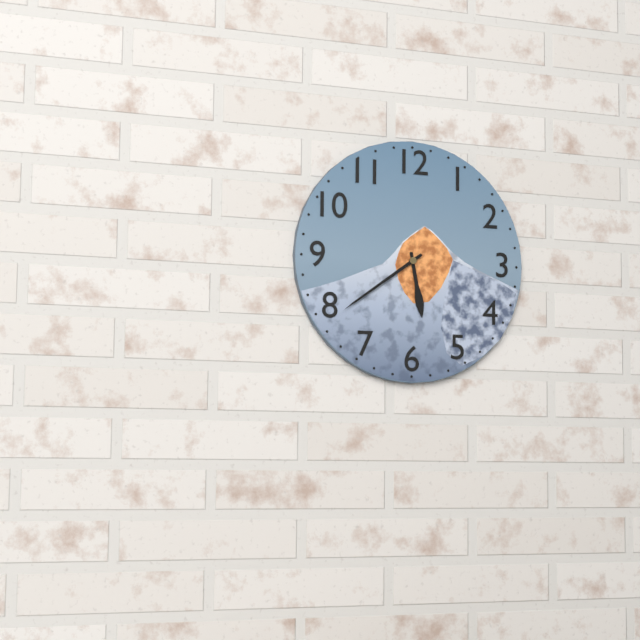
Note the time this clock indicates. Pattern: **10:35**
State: **5:39**
